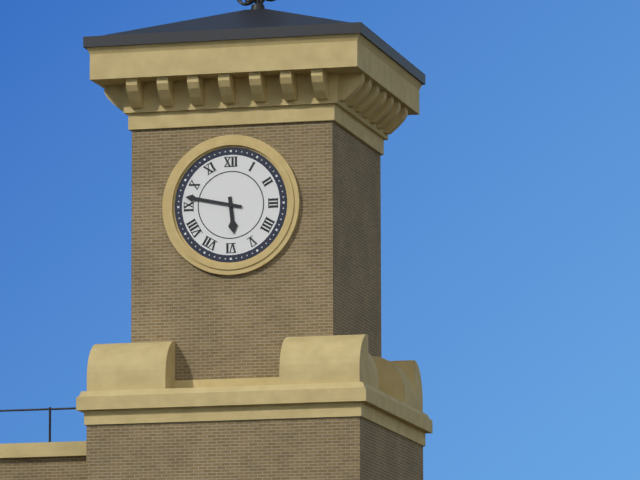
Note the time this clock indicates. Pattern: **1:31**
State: **5:47**
